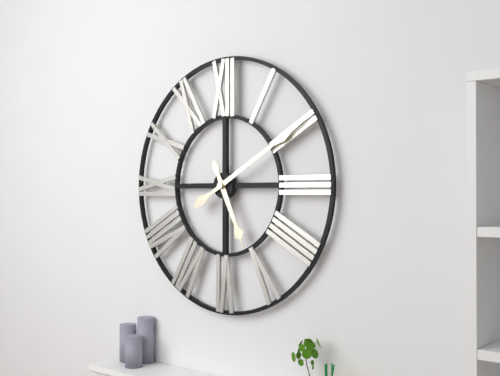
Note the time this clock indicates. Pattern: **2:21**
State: **5:10**
